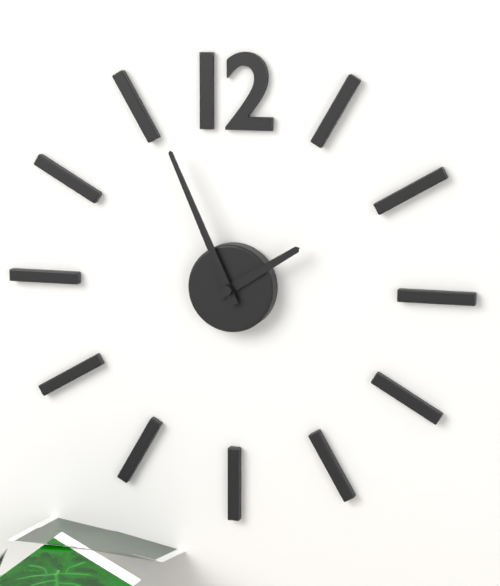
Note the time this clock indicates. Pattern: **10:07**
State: **1:56**
